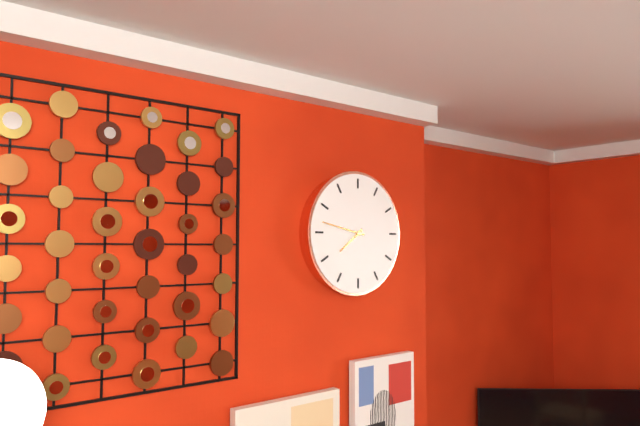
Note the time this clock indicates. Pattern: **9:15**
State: **7:47**
